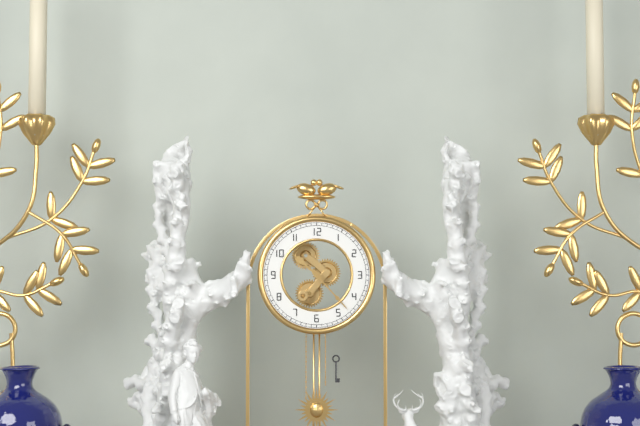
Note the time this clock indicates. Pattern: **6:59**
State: **10:23**
